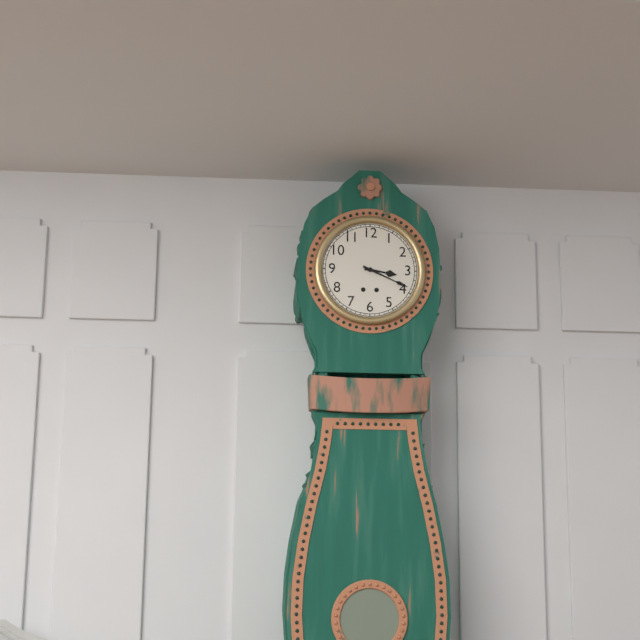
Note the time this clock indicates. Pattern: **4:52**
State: **3:19**
